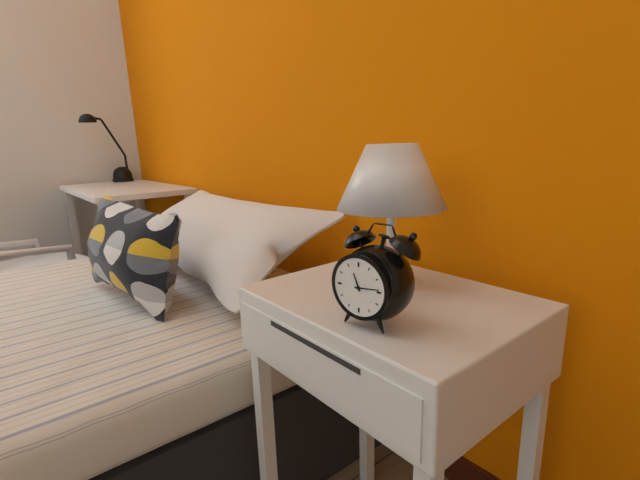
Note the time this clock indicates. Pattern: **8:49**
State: **11:14**
